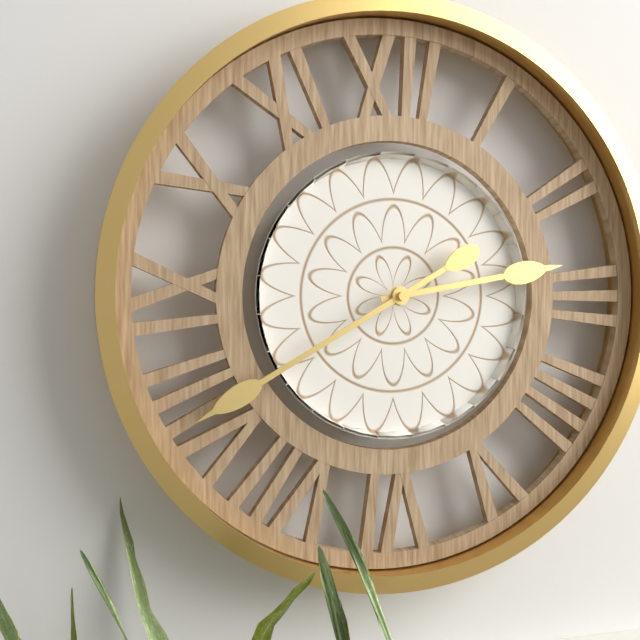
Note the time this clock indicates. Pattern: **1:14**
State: **2:40**
